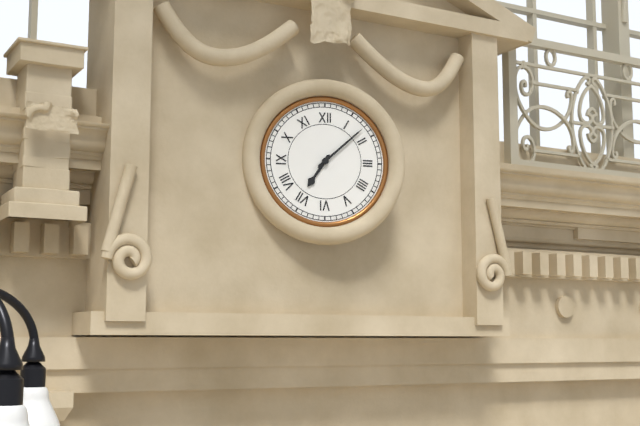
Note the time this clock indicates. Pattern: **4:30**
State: **7:08**
